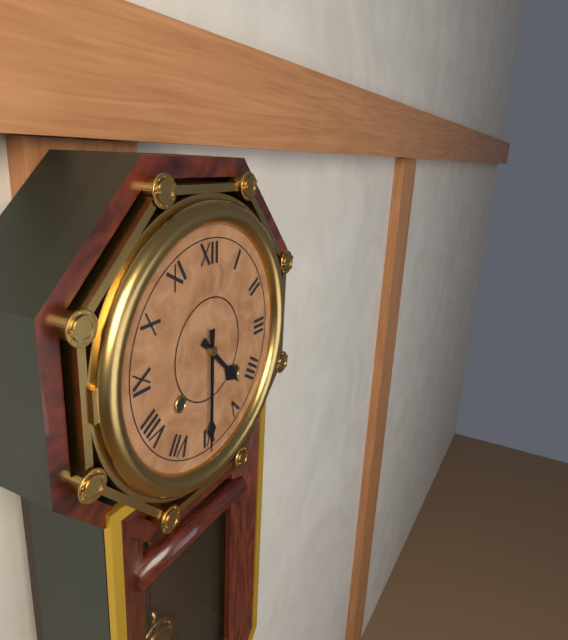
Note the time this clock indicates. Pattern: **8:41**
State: **4:30**
